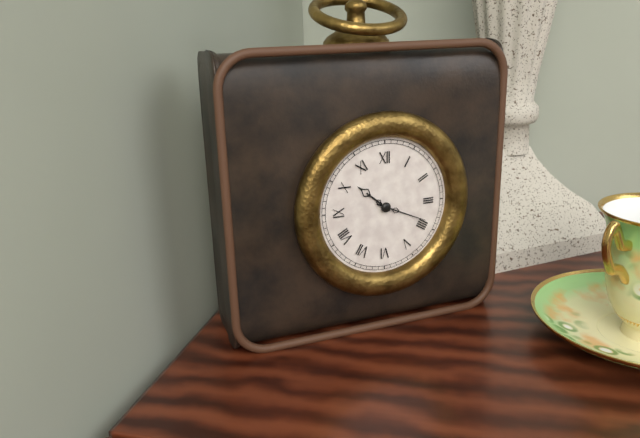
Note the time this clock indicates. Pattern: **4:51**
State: **10:19**
